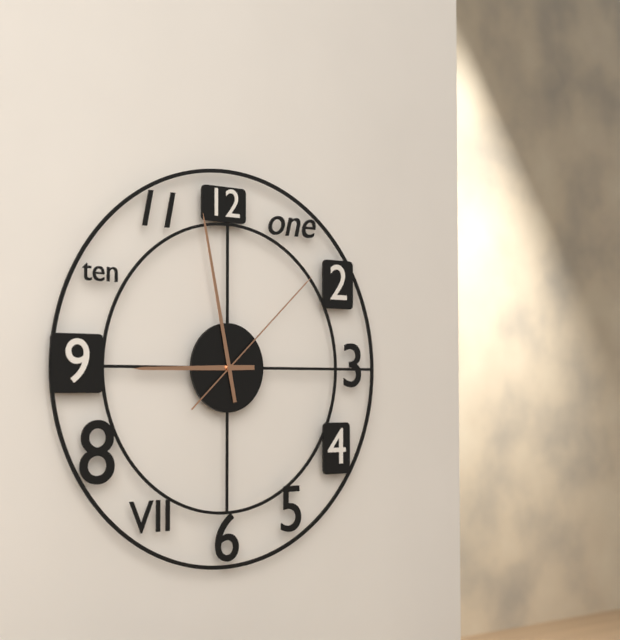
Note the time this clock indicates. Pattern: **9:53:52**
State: **8:58:08**
